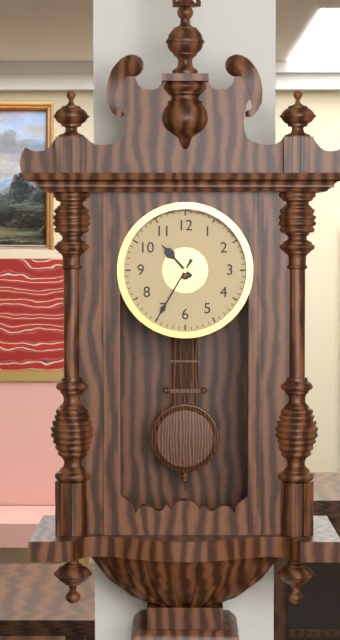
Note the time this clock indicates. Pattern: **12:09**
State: **10:35**
